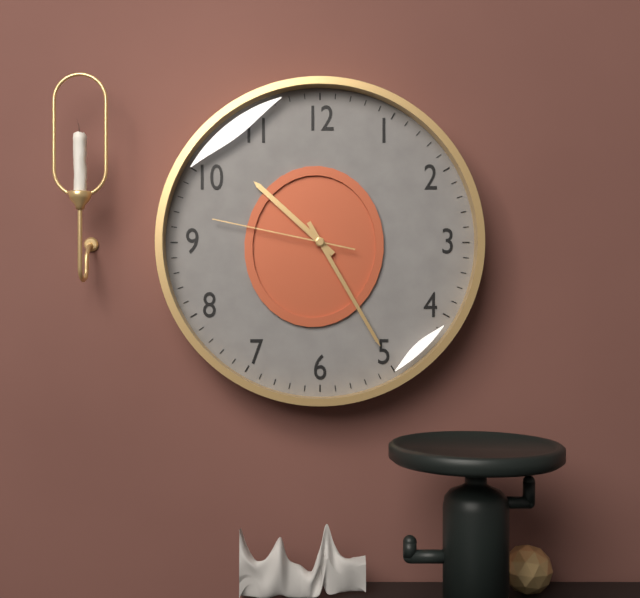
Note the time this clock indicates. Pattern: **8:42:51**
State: **10:25:47**
